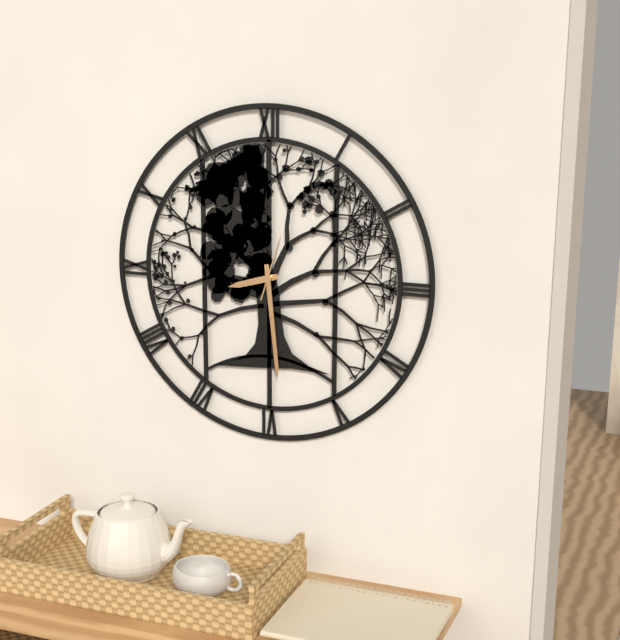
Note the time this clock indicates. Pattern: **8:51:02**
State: **8:29:03**
